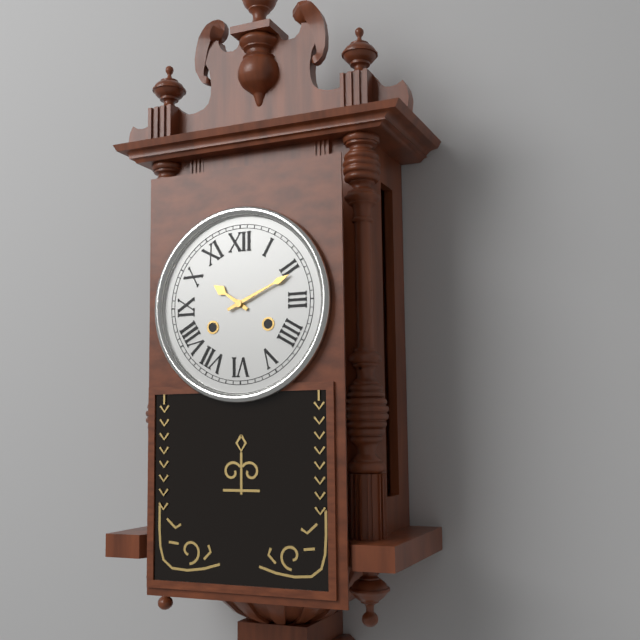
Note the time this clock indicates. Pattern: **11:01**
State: **10:11**
